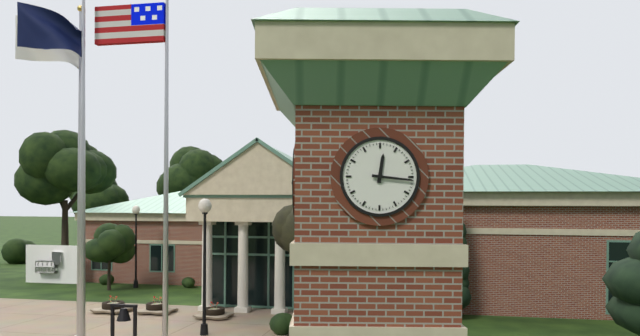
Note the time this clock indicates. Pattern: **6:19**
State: **12:16**
